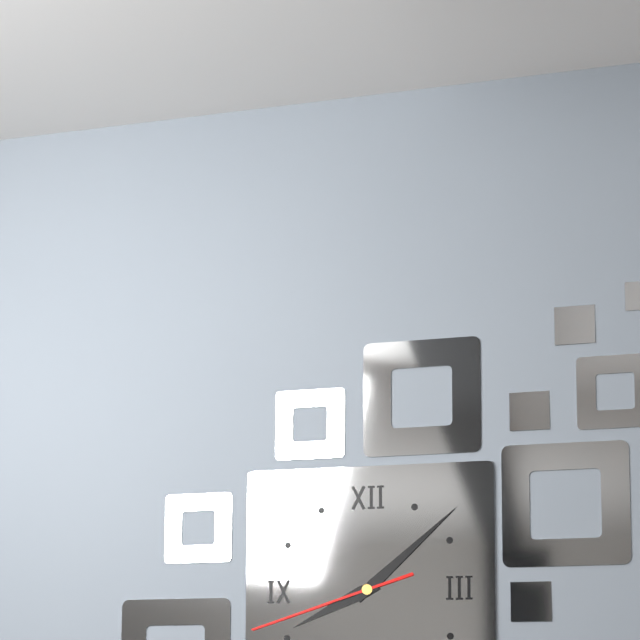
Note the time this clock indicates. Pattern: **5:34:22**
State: **8:08:42**
